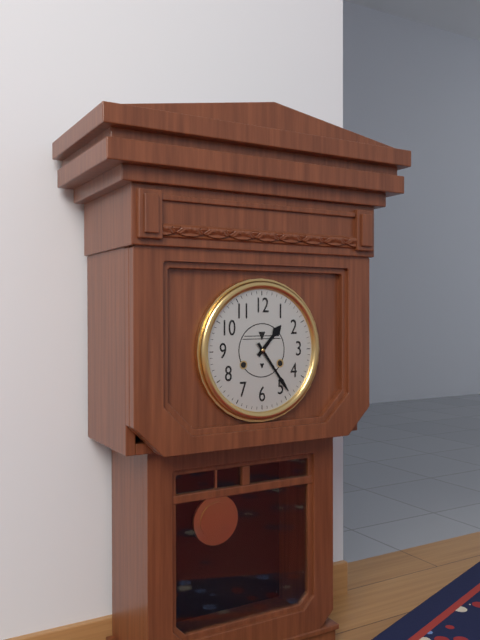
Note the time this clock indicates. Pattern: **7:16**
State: **1:24**
